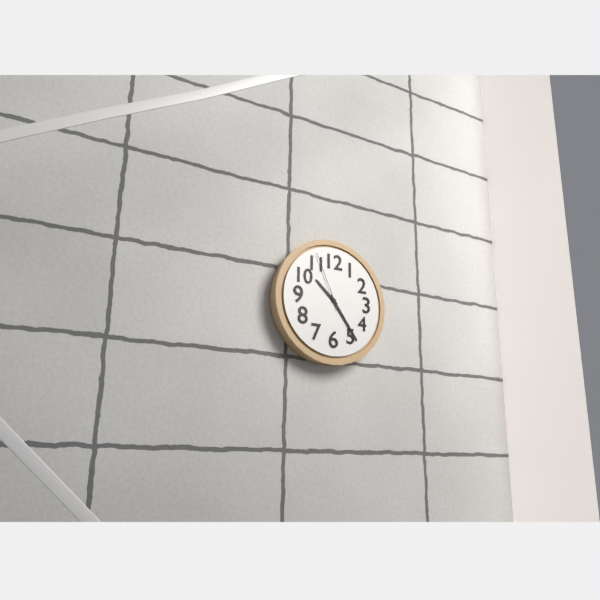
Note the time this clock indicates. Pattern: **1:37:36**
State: **10:24:56**
